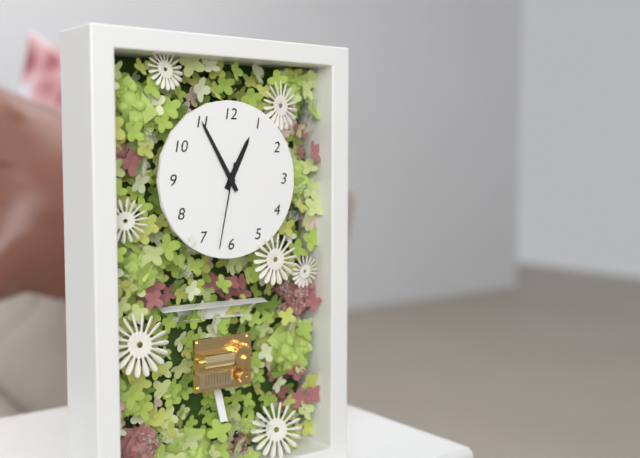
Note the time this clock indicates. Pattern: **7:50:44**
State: **12:55:32**
